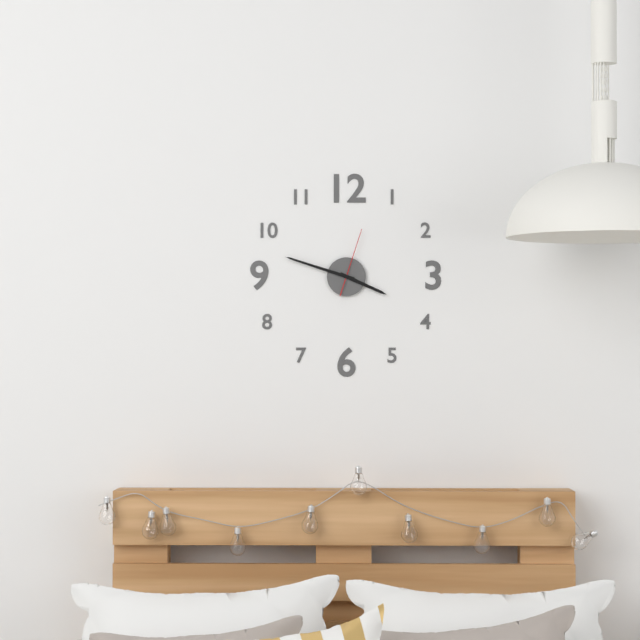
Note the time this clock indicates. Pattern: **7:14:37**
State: **3:48:03**
